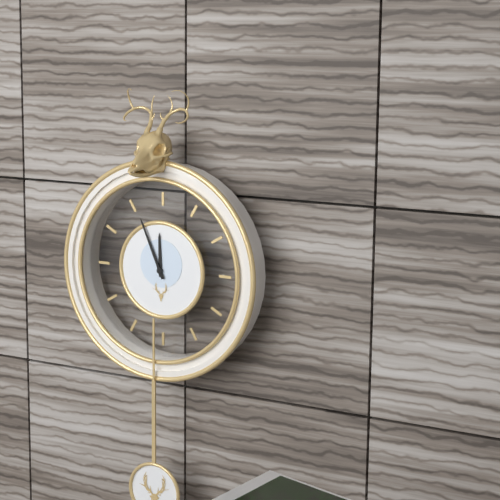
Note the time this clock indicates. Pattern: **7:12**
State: **11:56**
